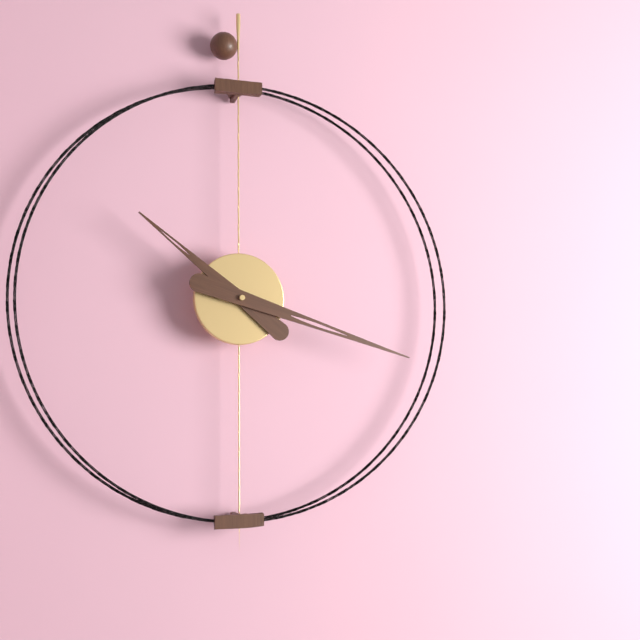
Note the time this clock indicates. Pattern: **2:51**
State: **10:18**
